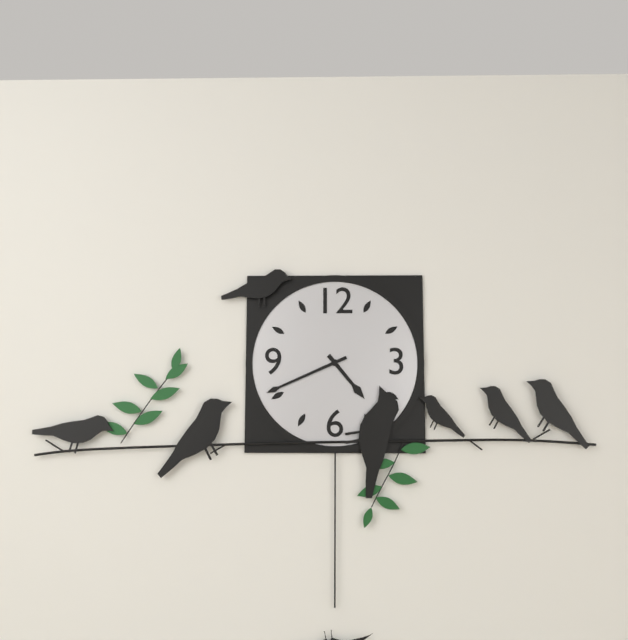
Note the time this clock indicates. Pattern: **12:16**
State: **4:41**
